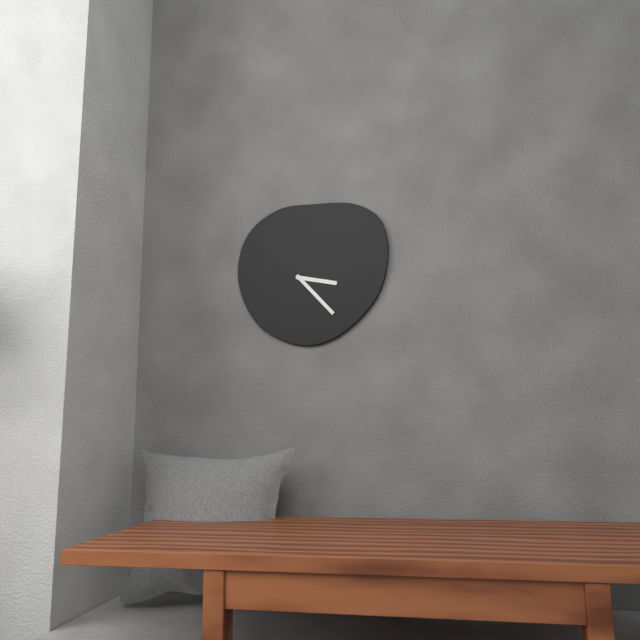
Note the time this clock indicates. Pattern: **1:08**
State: **3:23**
